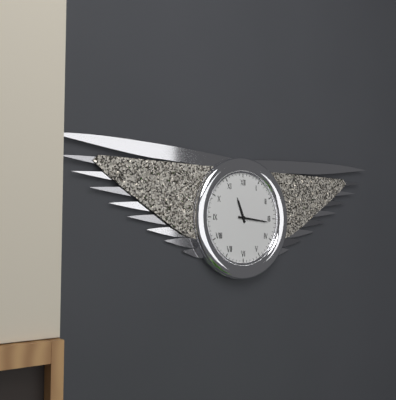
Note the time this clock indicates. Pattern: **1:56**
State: **11:16**
